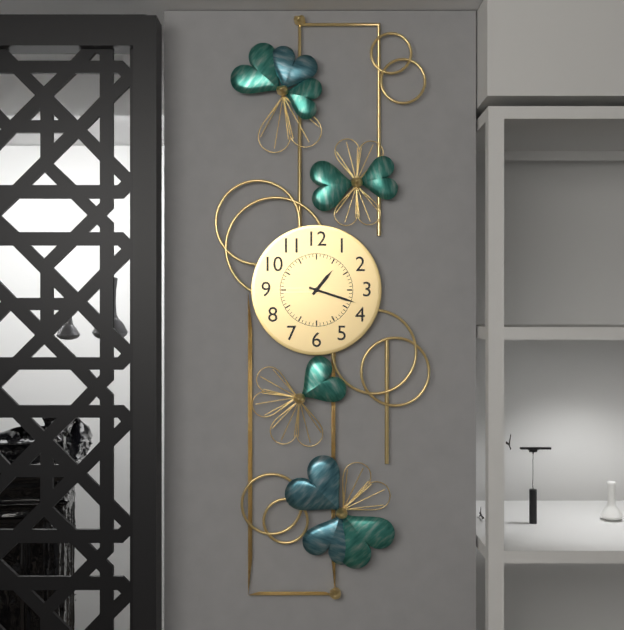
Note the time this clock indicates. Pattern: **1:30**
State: **1:18**
